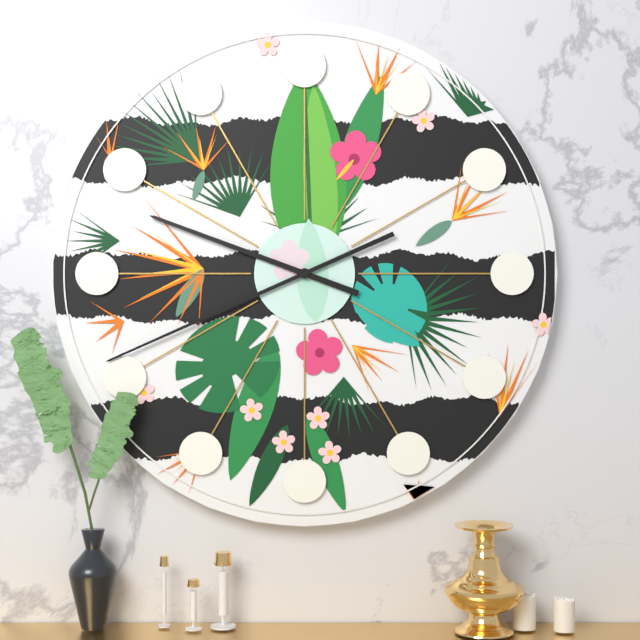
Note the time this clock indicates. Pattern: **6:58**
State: **9:41**
